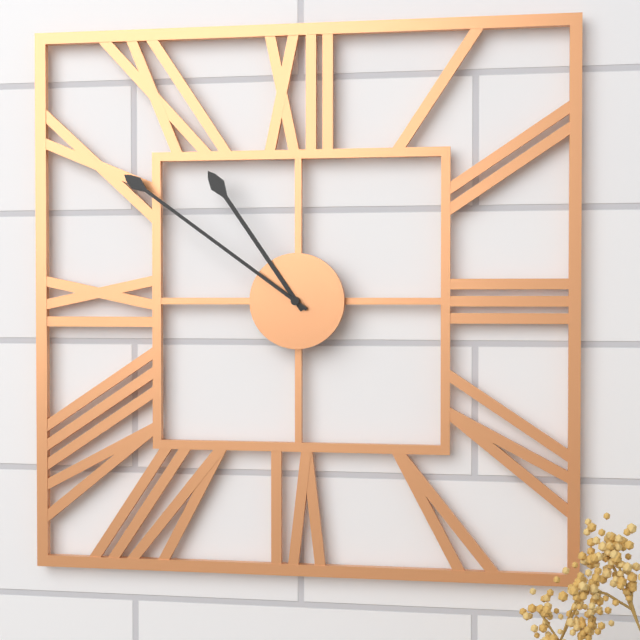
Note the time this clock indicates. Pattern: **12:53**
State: **10:51**
